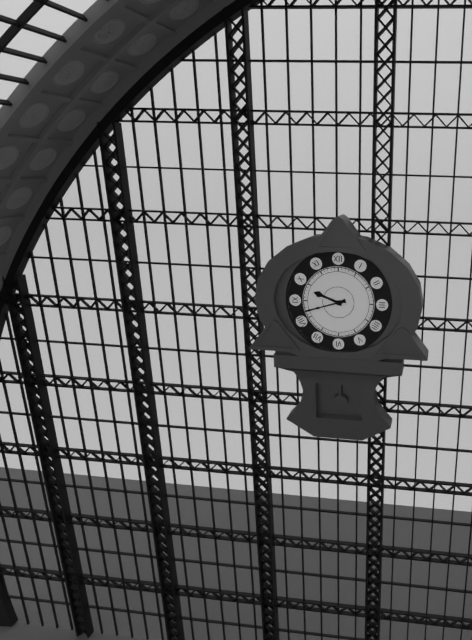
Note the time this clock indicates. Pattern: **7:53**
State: **9:42**
